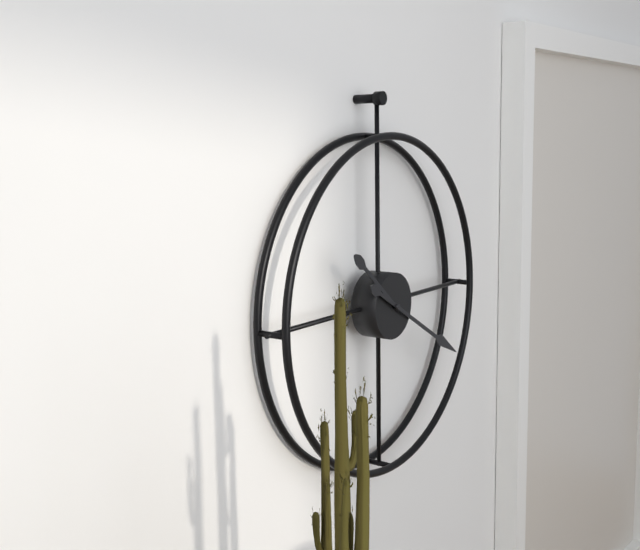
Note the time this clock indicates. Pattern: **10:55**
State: **10:20**
